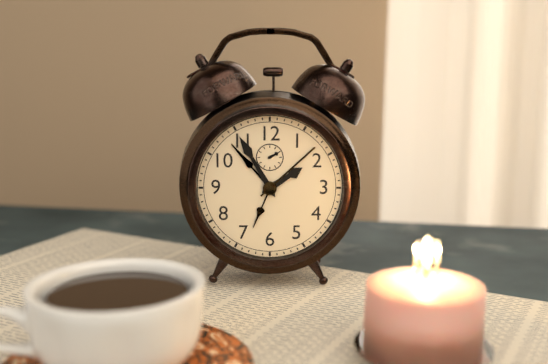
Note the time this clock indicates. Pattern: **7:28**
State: **1:55**
